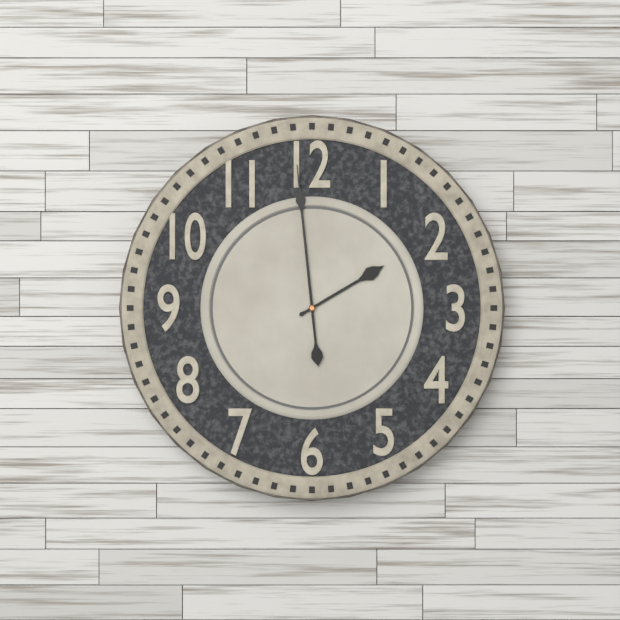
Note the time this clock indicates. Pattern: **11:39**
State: **1:59**
